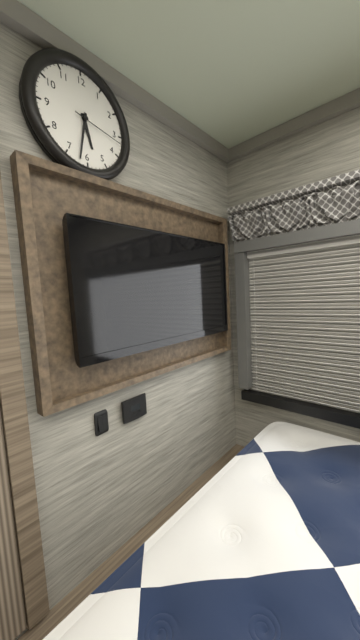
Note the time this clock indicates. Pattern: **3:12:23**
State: **5:32:17**
